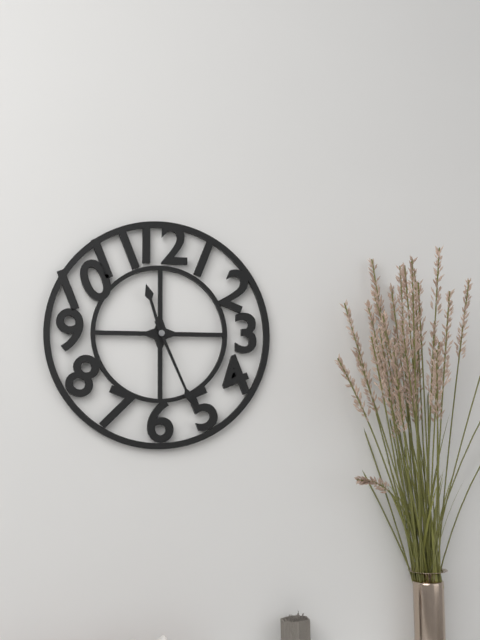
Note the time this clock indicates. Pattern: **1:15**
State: **11:26**
